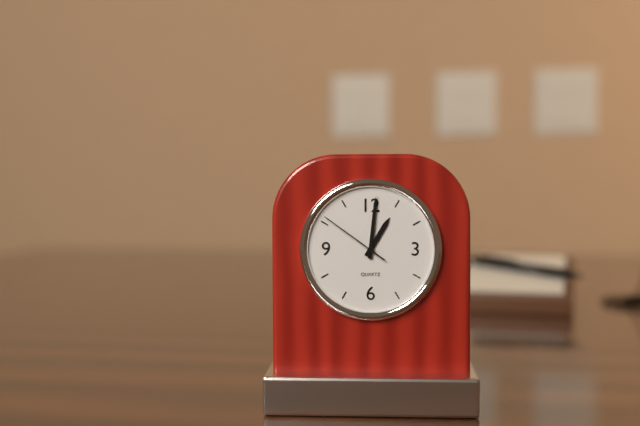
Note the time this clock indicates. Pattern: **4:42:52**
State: **1:01:51**
